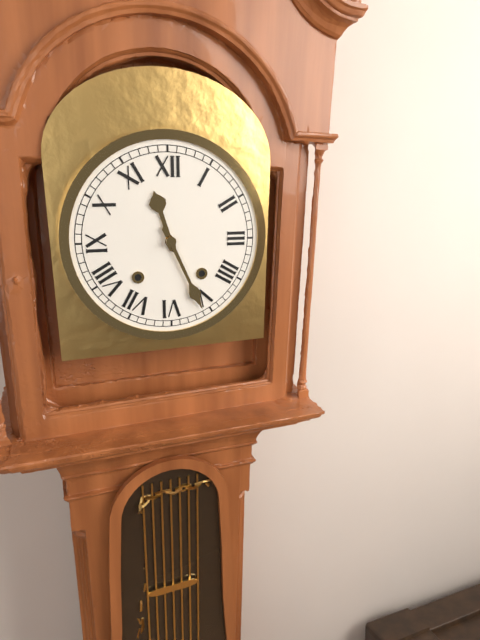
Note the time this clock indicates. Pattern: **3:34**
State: **11:26**
